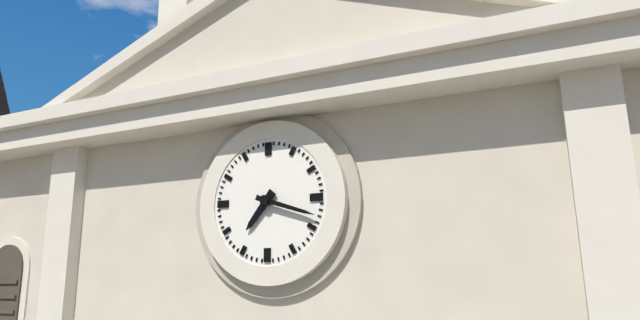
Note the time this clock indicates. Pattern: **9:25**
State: **7:18**
